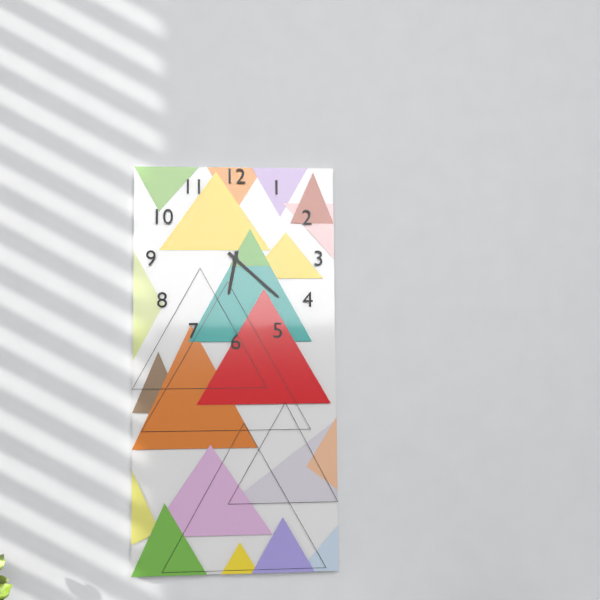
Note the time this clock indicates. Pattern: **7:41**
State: **6:22**
